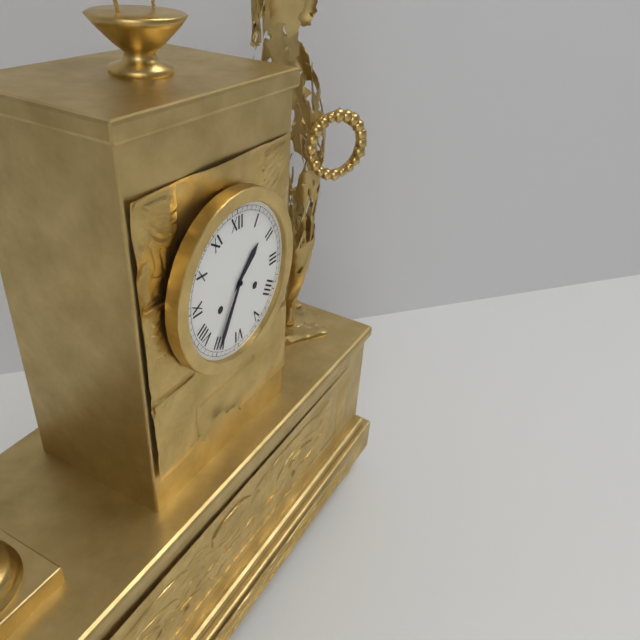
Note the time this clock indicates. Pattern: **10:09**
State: **1:35**
